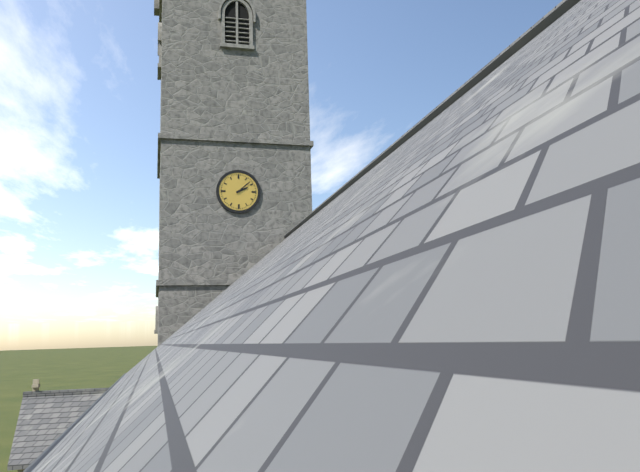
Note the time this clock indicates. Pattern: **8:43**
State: **2:08**
